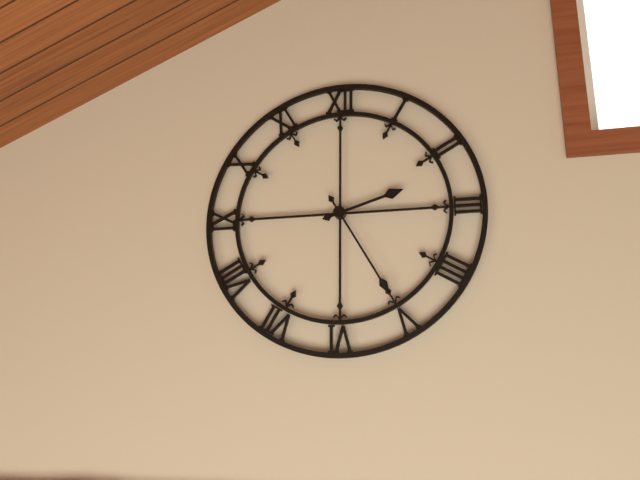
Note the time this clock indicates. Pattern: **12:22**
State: **2:25**
